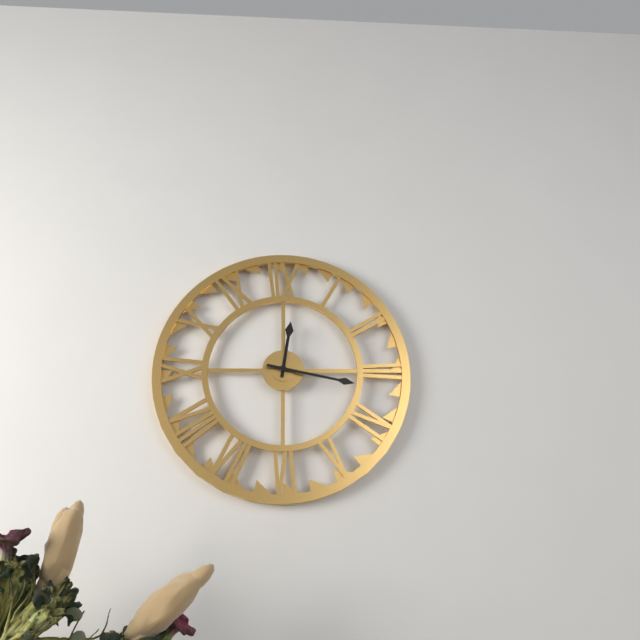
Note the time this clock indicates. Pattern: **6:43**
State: **12:17**
